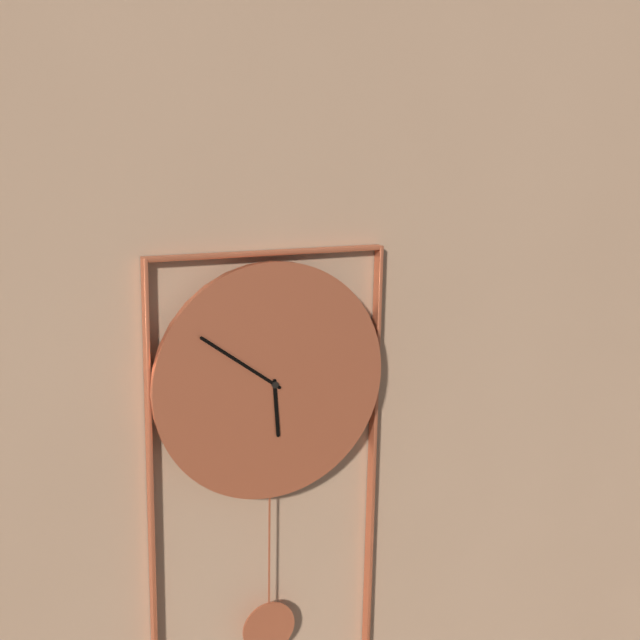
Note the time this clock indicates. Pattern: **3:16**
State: **5:51**
